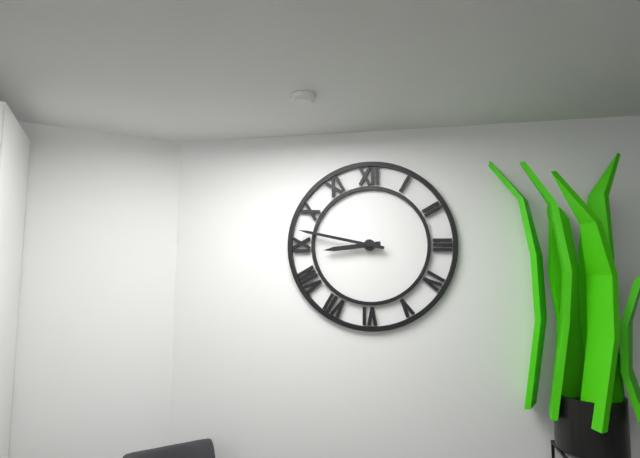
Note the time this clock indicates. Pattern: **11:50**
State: **8:47**
